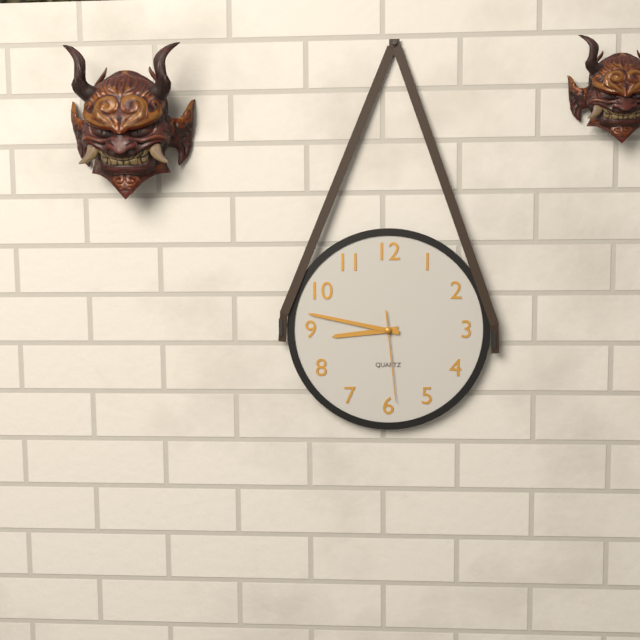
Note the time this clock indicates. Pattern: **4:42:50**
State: **8:47:29**
